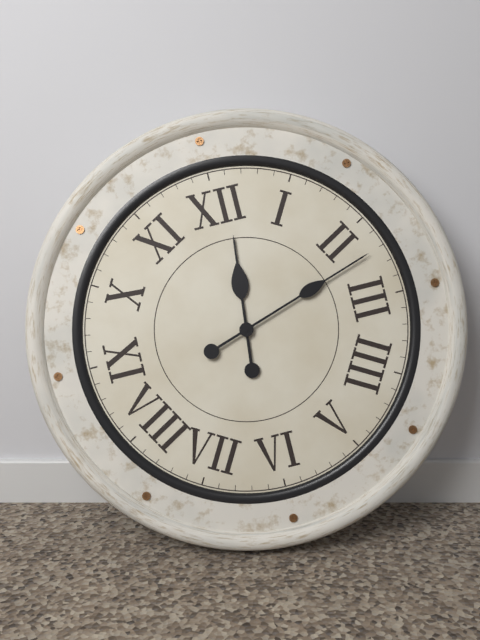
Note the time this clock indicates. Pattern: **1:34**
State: **12:12**
